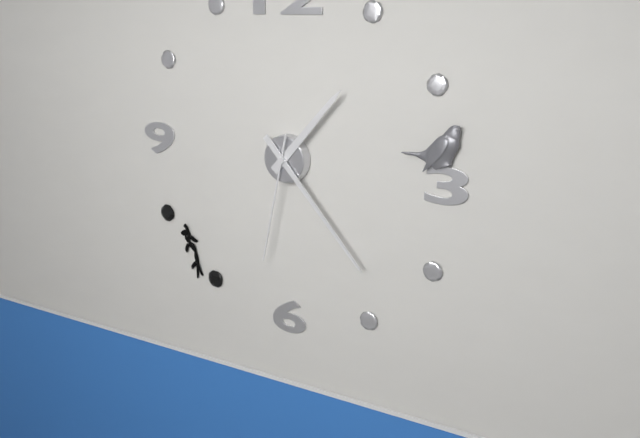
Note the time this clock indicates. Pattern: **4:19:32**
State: **1:23:32**
